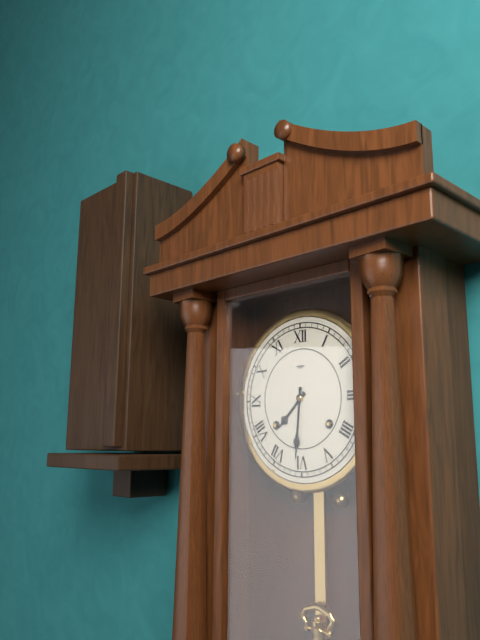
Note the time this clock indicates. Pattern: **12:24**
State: **7:31**
